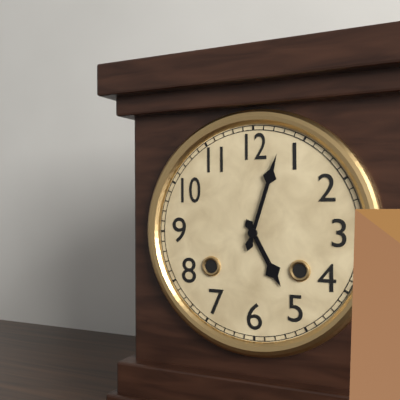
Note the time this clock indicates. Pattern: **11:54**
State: **5:03**
